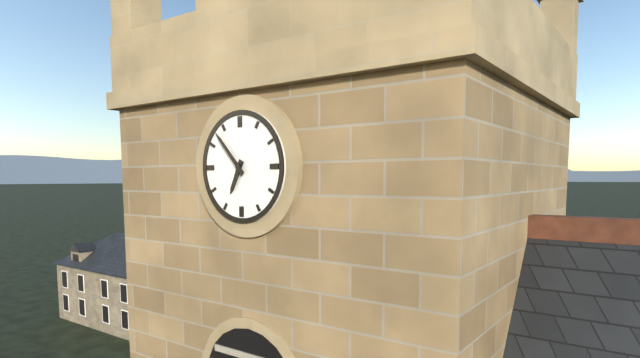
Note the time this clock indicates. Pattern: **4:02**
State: **6:53**
